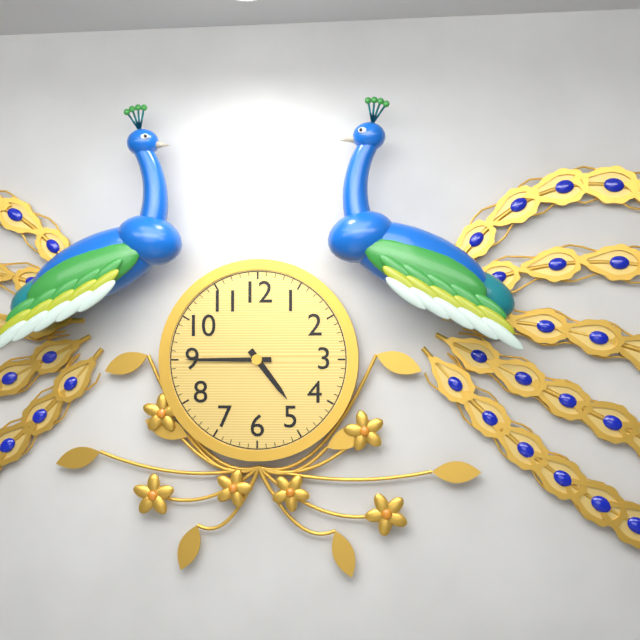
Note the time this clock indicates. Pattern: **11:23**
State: **4:45**
